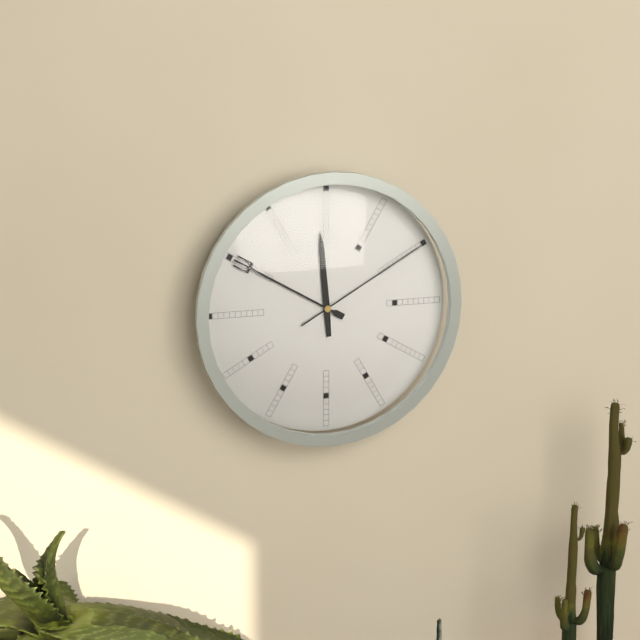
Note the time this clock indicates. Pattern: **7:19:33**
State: **11:50:10**
